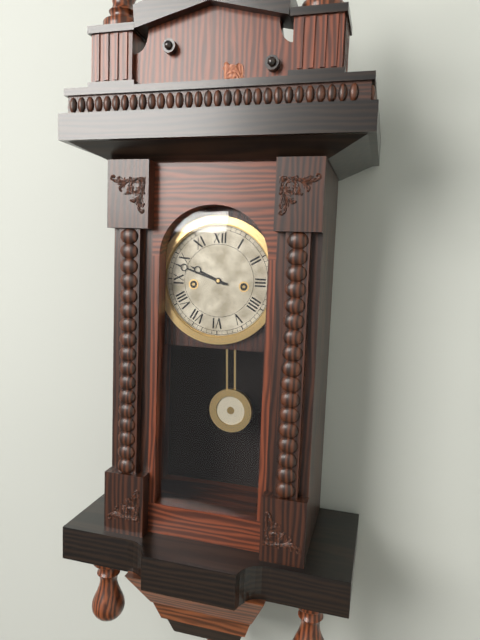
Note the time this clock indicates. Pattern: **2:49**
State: **9:48**
